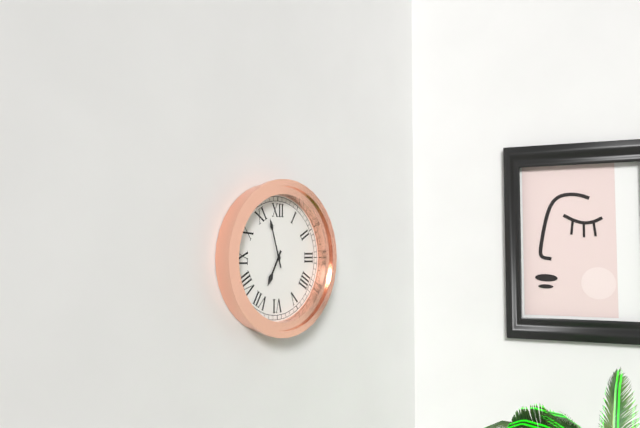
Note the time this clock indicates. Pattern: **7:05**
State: **6:57**
